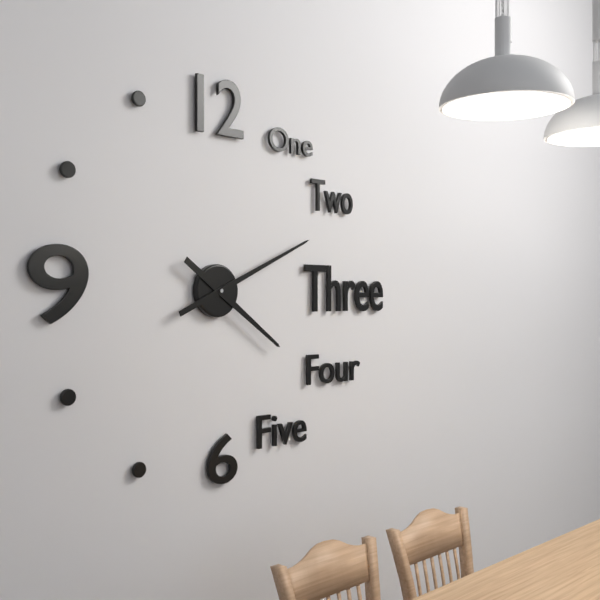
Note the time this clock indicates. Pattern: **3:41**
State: **4:11**
